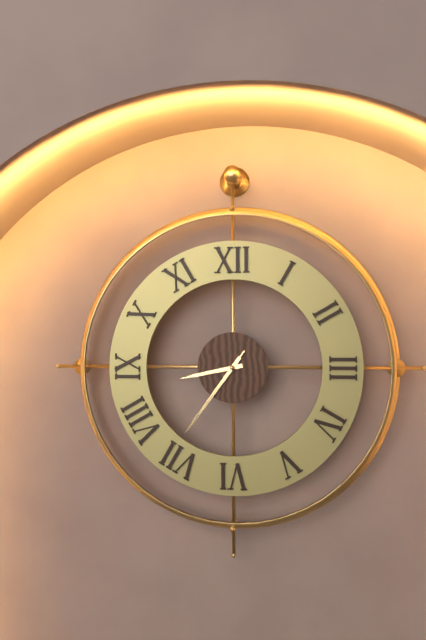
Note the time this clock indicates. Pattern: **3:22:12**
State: **8:36:36**
